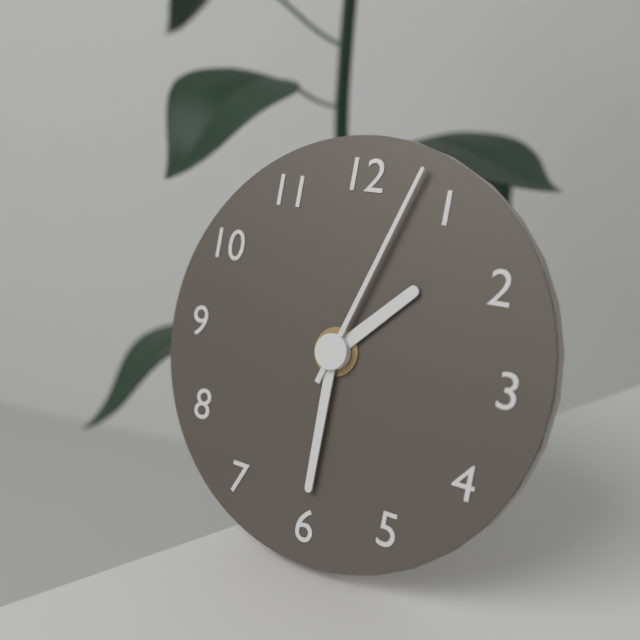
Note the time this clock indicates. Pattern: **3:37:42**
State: **1:30:03**
